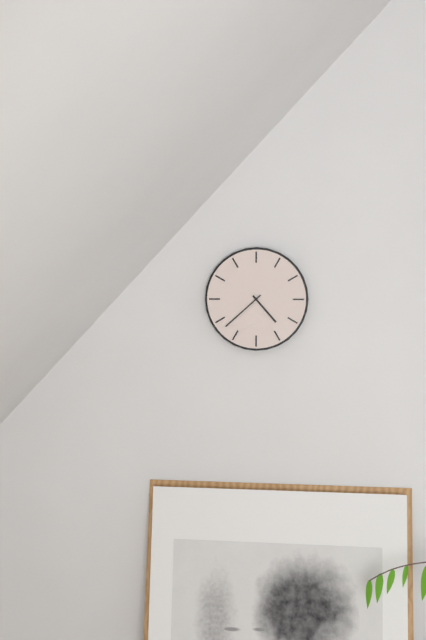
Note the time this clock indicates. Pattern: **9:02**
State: **4:38**
